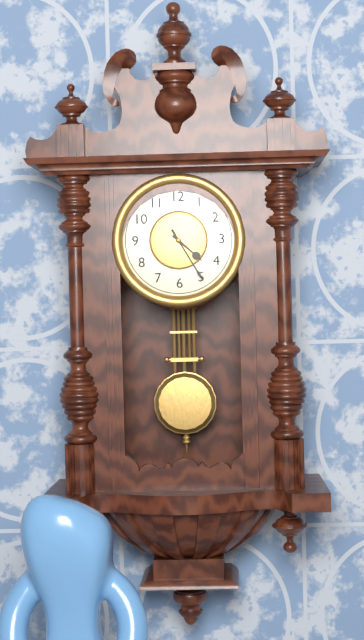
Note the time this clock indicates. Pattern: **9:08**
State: **4:25**
